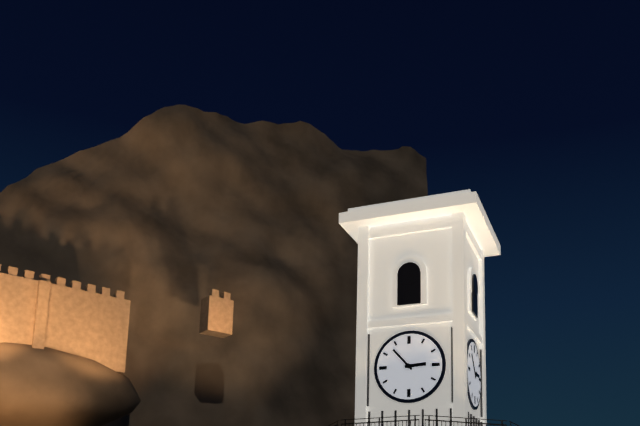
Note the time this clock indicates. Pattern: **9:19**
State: **2:53**
